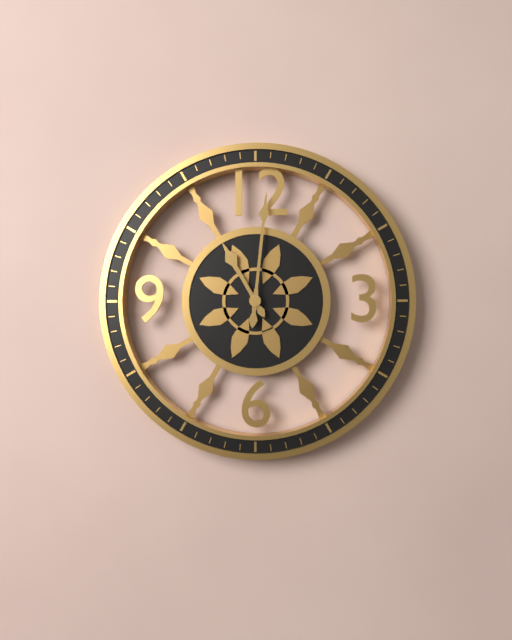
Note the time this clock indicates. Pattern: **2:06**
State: **11:01**
